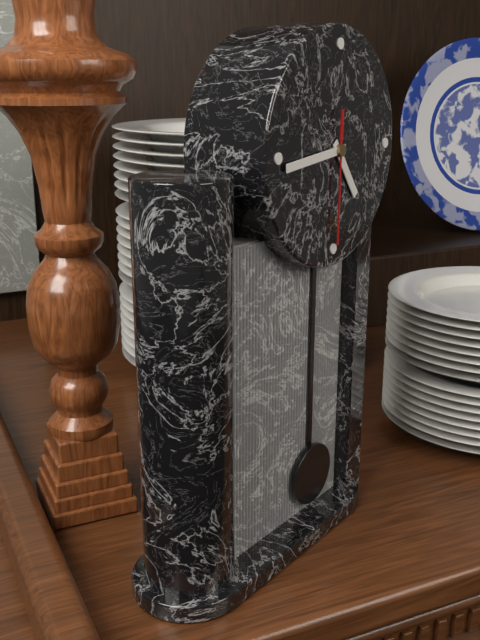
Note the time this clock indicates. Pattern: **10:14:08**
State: **4:44:30**
